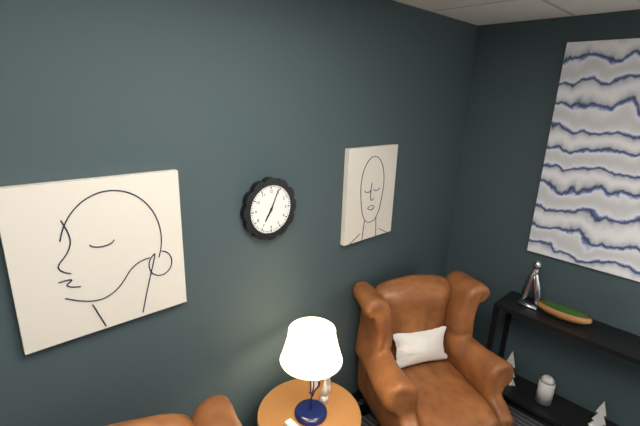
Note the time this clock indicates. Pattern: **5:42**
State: **7:04**
